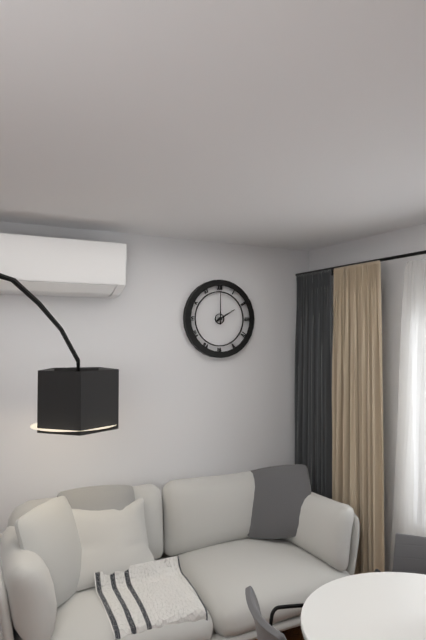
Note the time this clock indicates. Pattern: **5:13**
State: **2:00**
